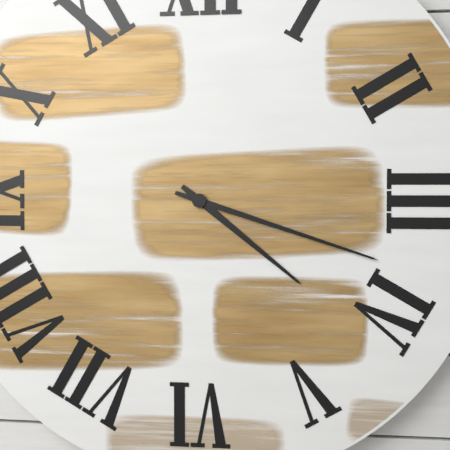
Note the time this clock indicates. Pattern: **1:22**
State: **4:18**
